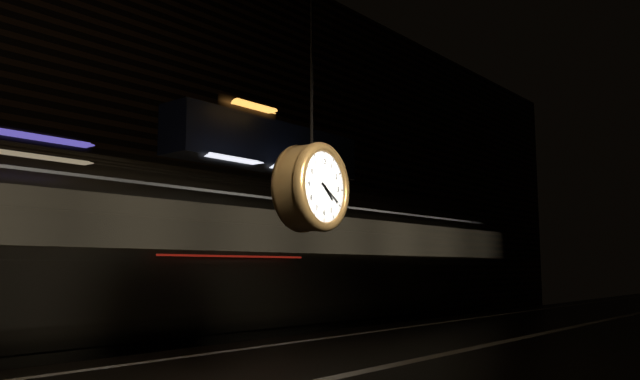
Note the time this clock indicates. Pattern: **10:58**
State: **4:20**
